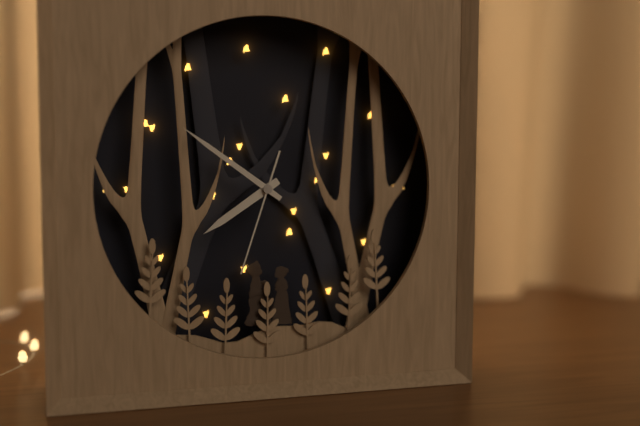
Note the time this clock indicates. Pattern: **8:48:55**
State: **7:51:33**
